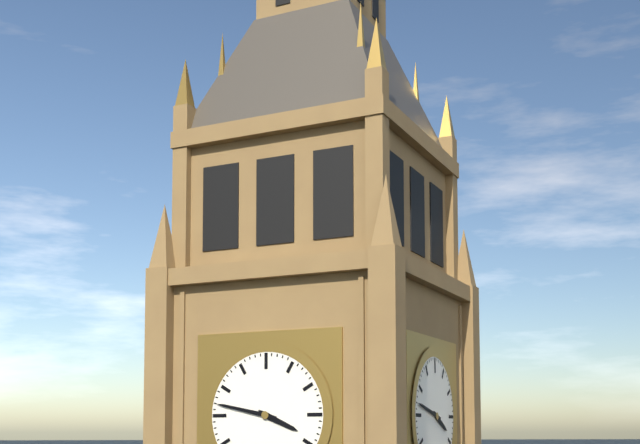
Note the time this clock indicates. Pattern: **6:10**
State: **3:47**
